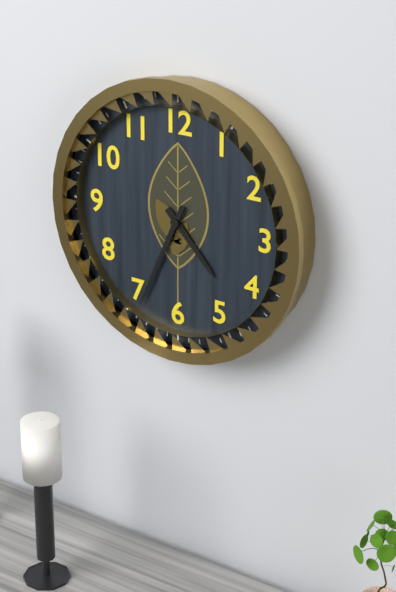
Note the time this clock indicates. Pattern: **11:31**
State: **4:34**
